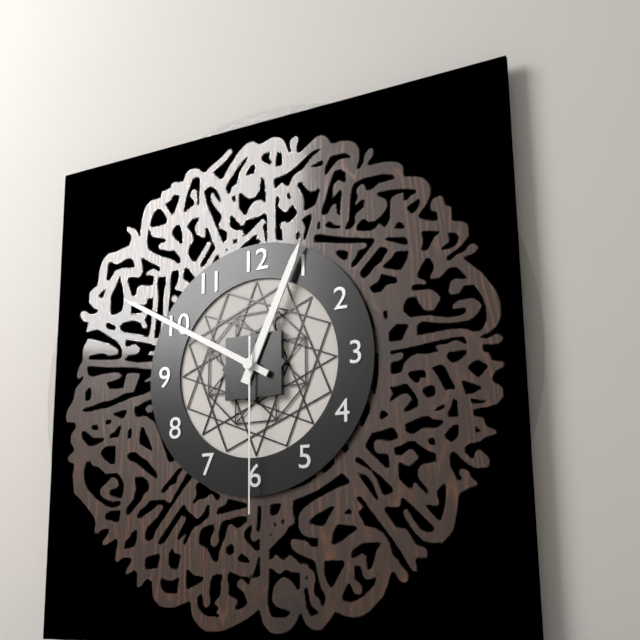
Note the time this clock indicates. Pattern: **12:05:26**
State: **12:50:30**
